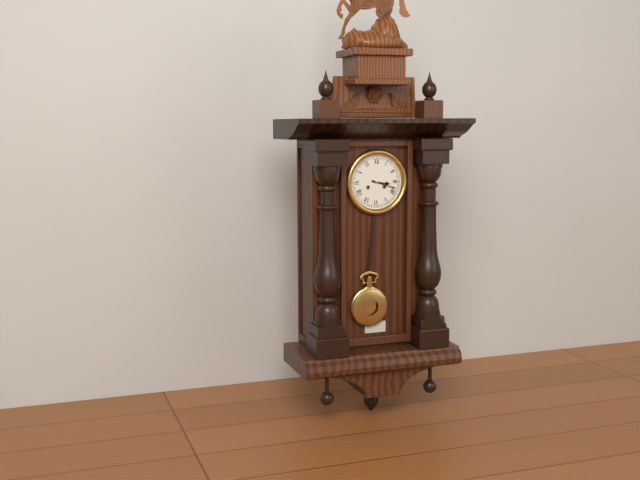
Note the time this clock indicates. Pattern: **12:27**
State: **3:18**
